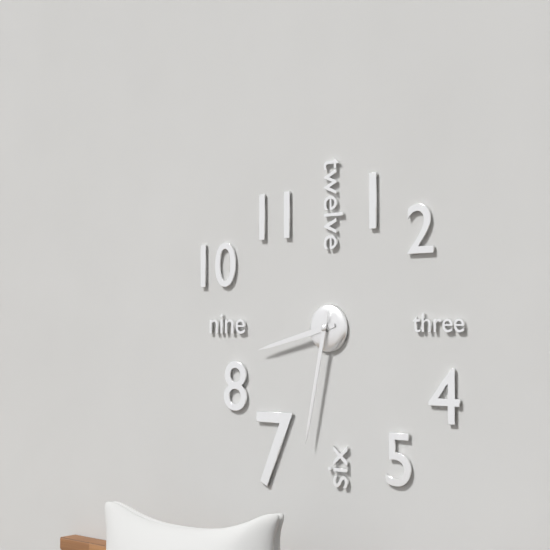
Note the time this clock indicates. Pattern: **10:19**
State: **8:32**
